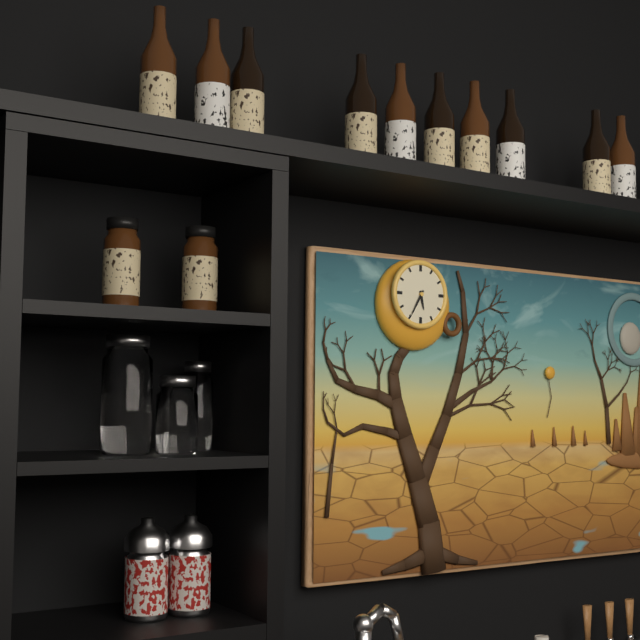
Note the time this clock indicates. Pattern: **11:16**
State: **5:35**
